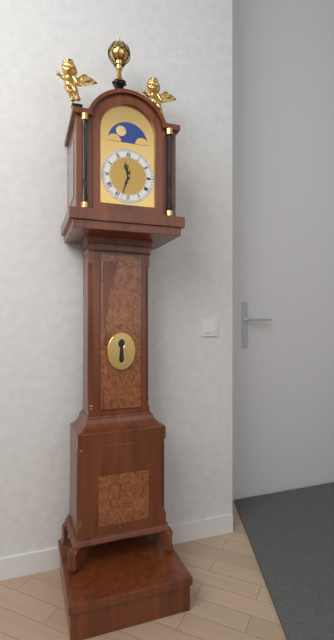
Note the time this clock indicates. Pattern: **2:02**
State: **11:33**
